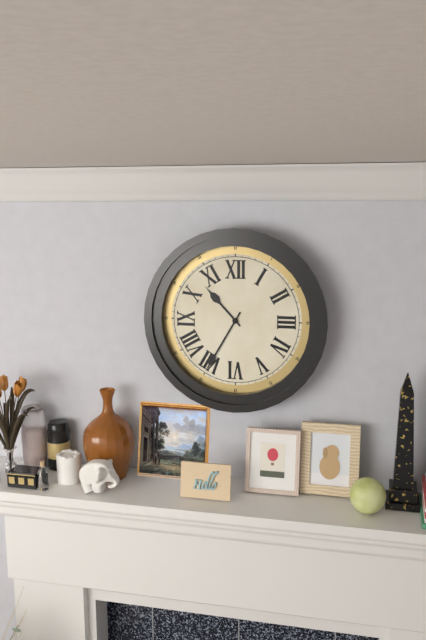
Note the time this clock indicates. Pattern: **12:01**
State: **10:35**
